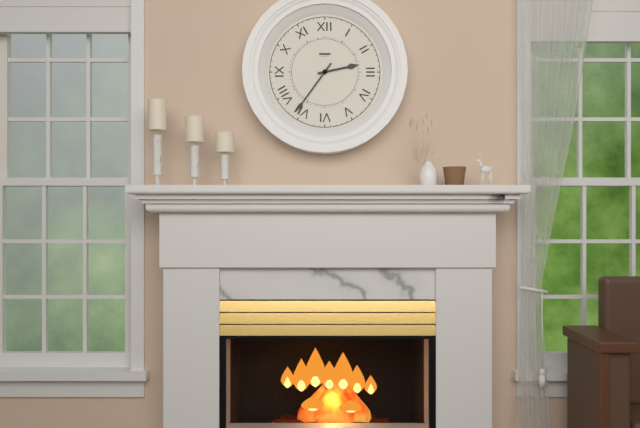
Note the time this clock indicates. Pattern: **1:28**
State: **2:36**
